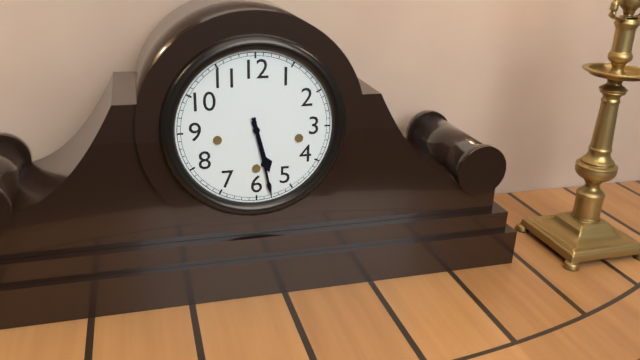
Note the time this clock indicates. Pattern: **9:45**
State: **5:28**
